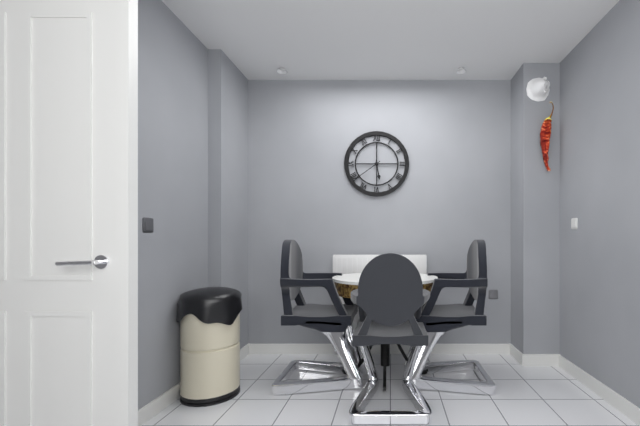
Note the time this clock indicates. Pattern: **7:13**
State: **5:39**
